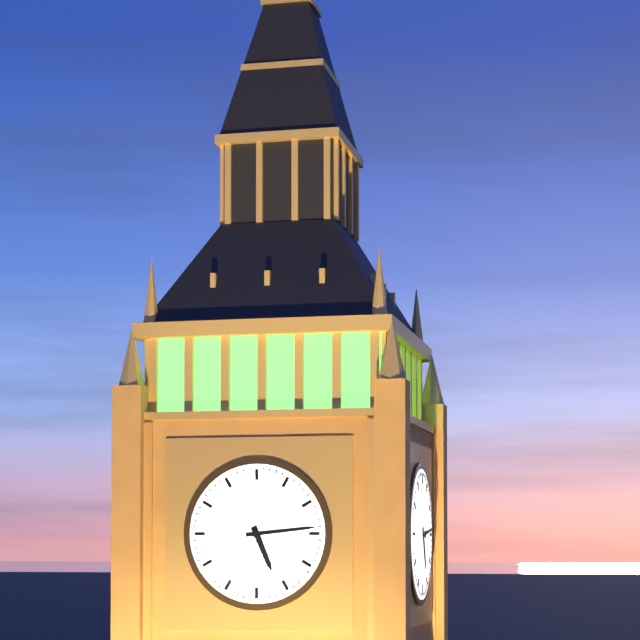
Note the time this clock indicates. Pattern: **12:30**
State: **5:14**
